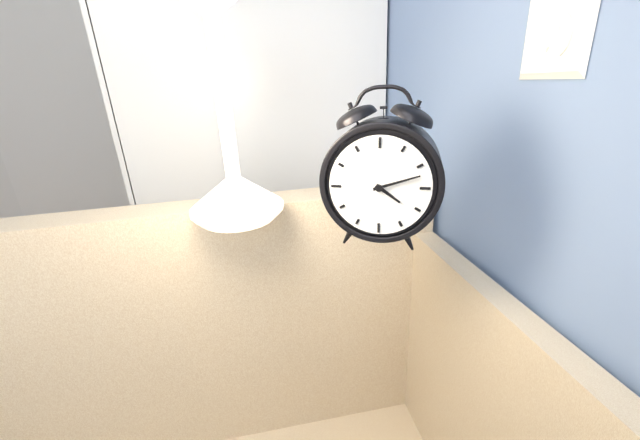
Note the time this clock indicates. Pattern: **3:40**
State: **4:12**
